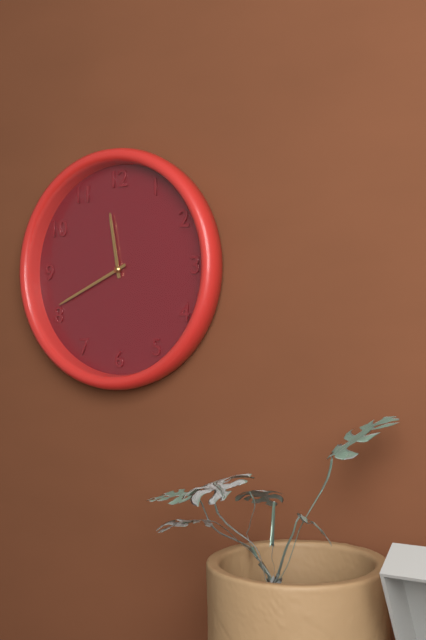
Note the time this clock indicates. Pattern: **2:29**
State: **11:41**
